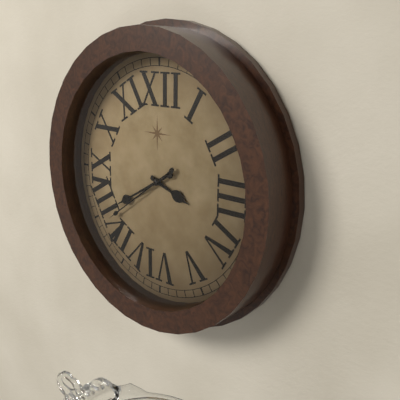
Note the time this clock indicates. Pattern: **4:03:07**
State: **3:40:39**
